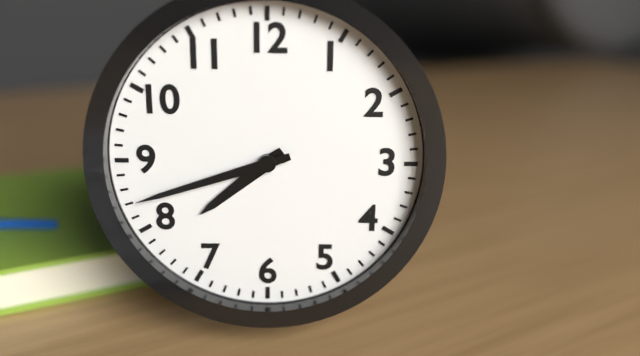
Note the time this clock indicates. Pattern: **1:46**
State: **7:42**
